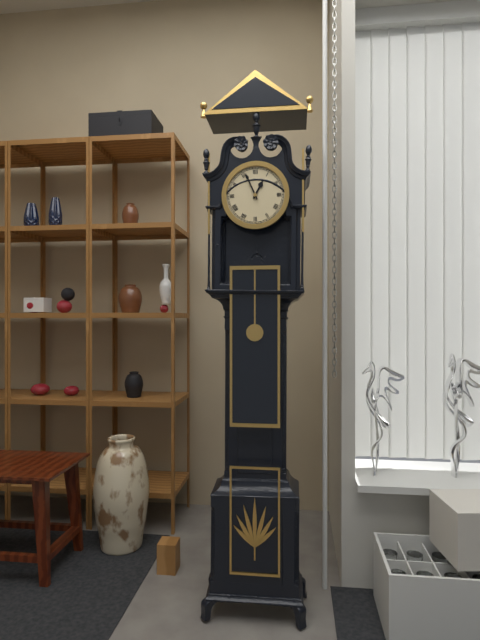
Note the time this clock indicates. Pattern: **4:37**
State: **12:56**
